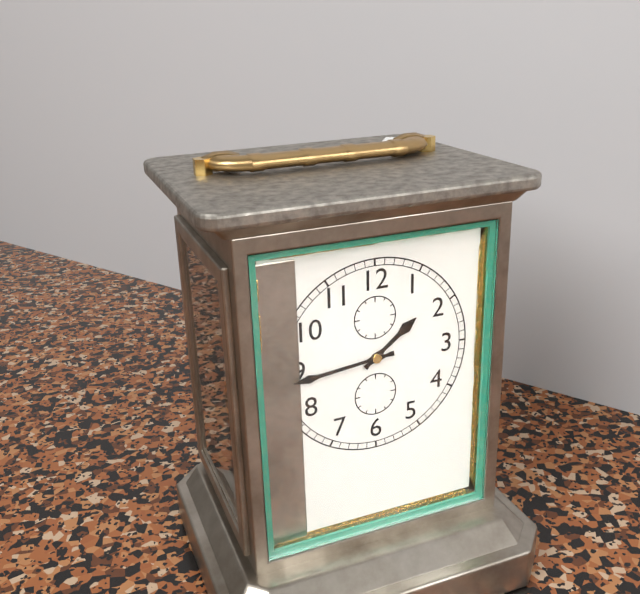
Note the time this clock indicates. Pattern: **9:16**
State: **1:44**
